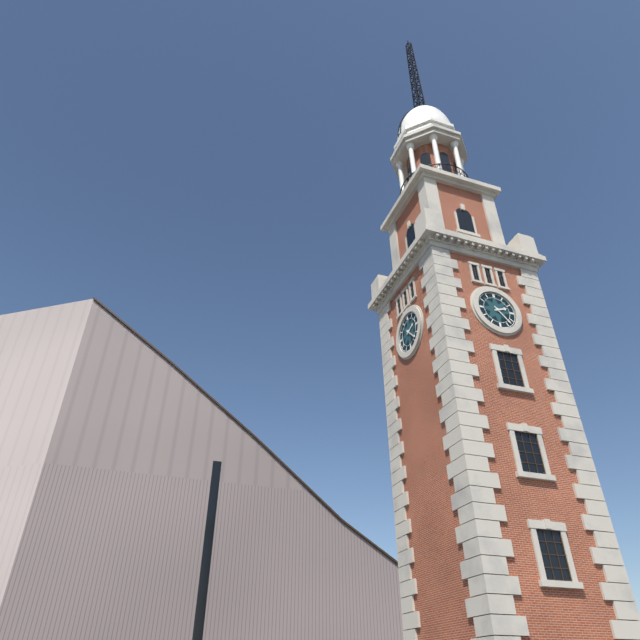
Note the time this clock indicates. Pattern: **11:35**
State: **2:23**
